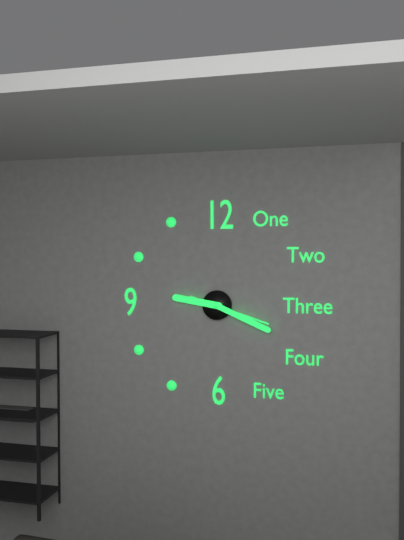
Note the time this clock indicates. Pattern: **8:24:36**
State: **9:19:18**
